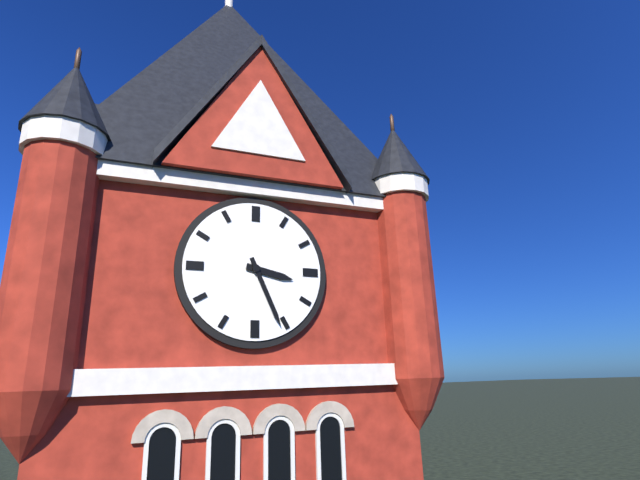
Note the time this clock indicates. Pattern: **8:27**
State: **3:26**
